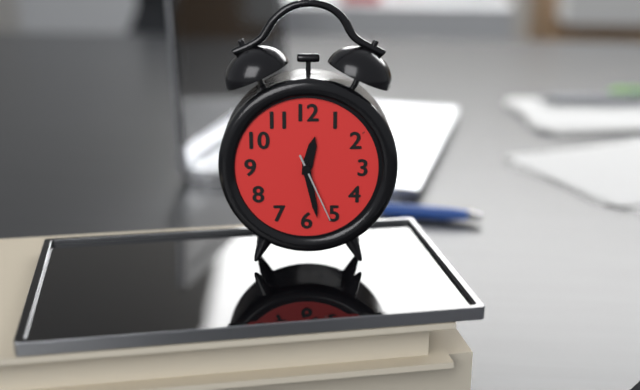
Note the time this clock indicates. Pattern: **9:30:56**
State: **12:28:26**
